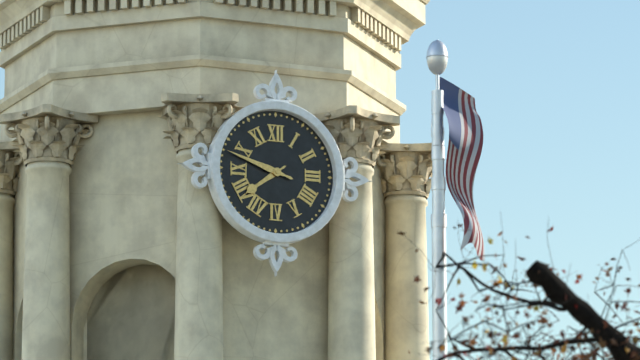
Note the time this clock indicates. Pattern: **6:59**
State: **7:48**
